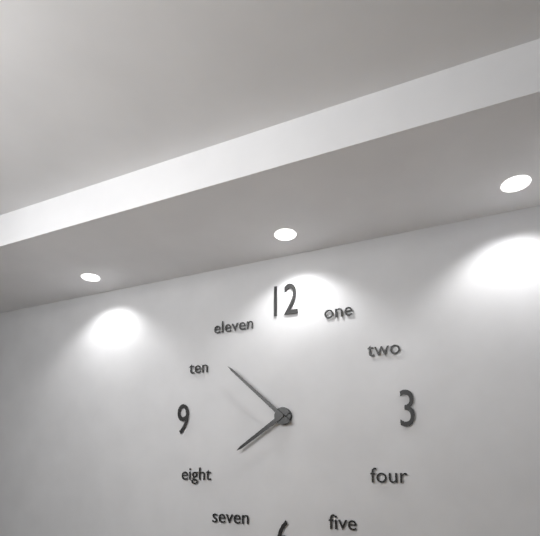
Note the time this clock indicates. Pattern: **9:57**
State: **7:52**
